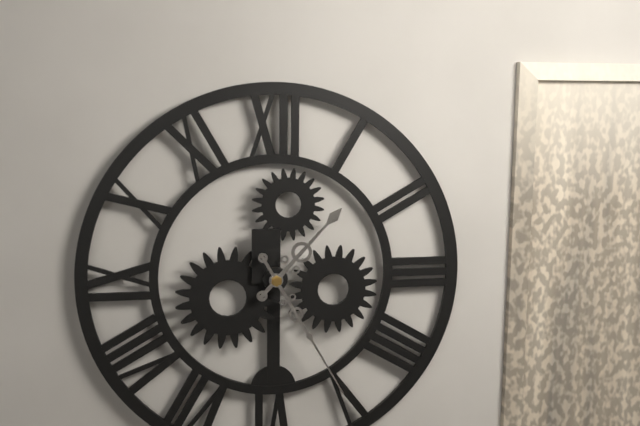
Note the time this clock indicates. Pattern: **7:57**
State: **1:25**
